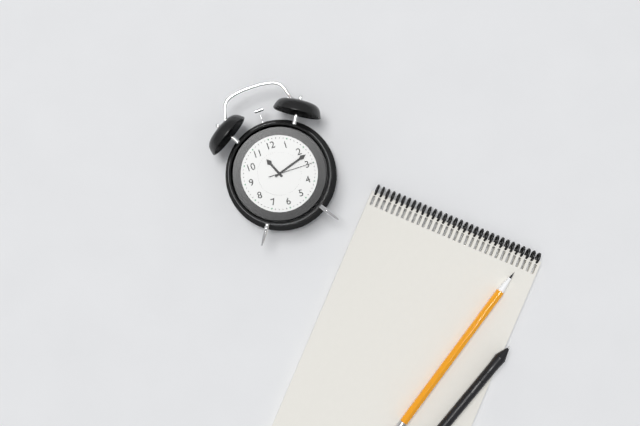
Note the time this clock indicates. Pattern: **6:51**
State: **11:12**
